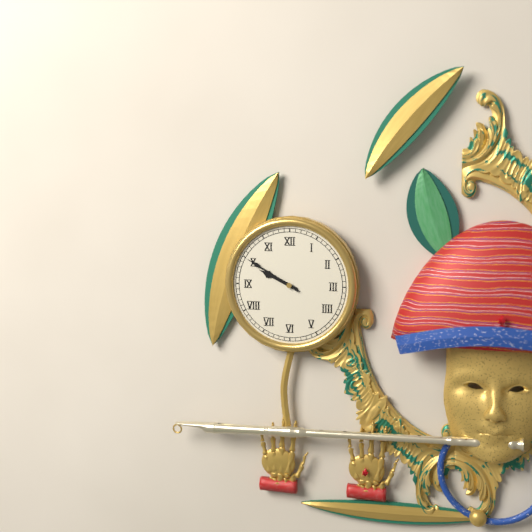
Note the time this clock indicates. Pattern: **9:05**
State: **9:50**
